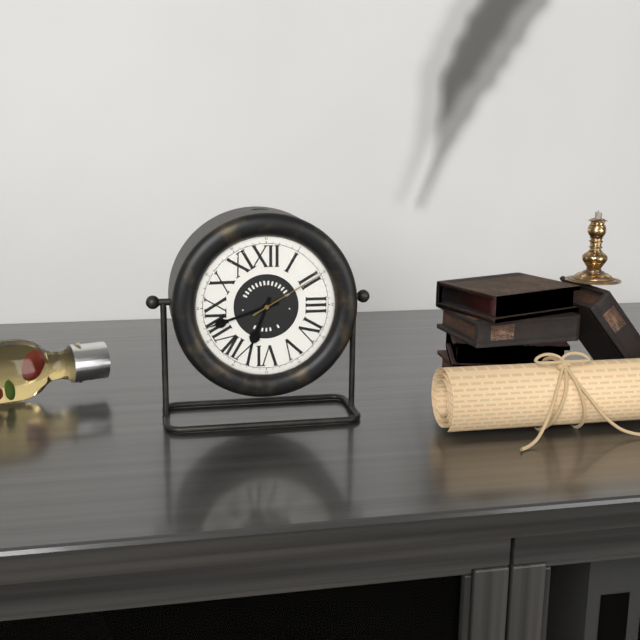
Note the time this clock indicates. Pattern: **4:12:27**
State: **6:42:10**
